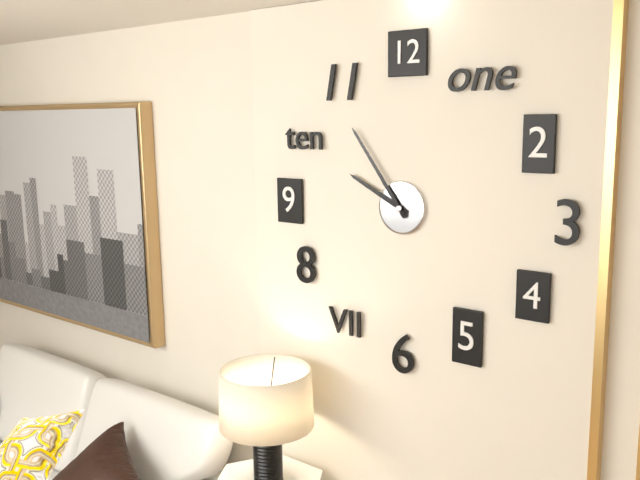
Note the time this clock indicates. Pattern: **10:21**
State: **9:54**
